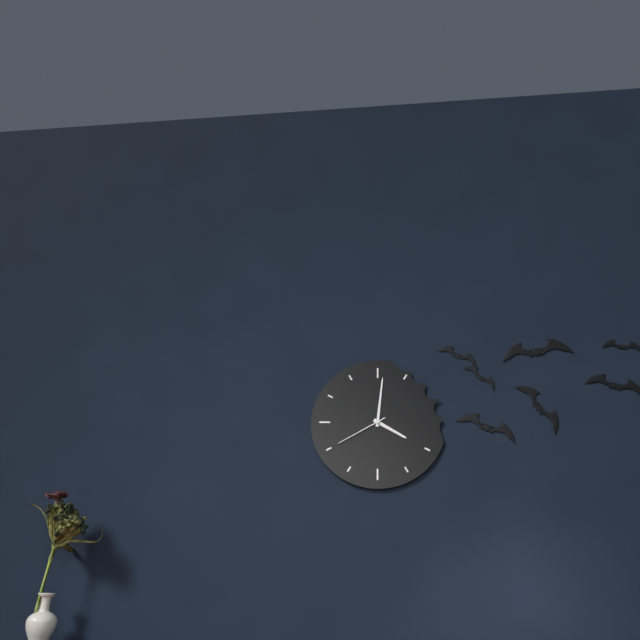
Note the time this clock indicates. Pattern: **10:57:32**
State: **4:01:40**
